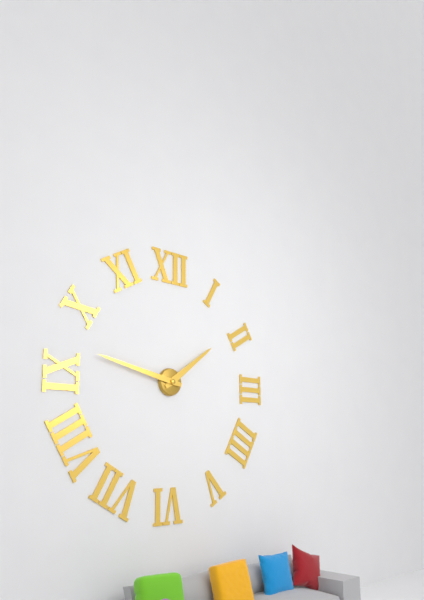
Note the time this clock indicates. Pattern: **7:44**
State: **1:47**
